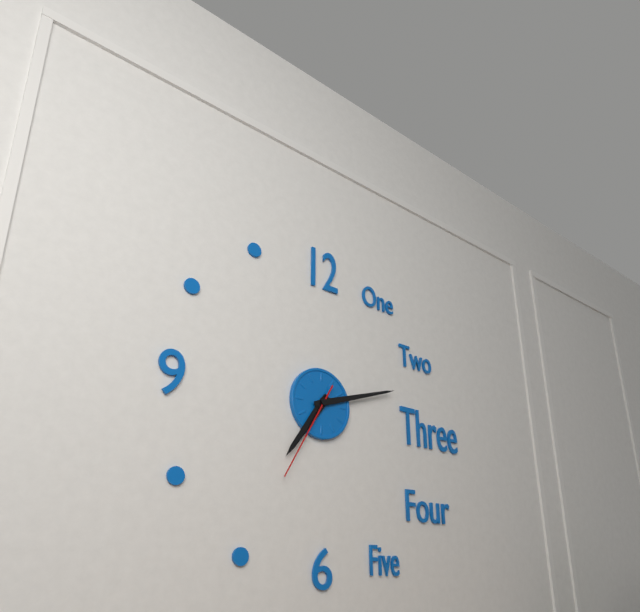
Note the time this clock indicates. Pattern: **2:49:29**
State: **7:12:35**
